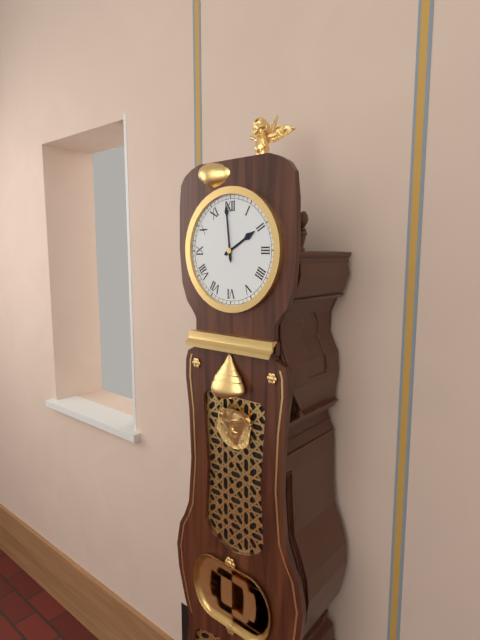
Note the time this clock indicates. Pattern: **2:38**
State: **1:59**
